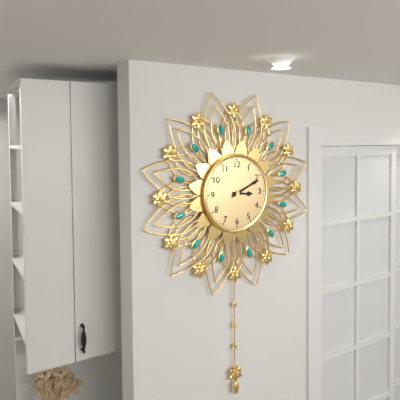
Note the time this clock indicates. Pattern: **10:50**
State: **3:11**
